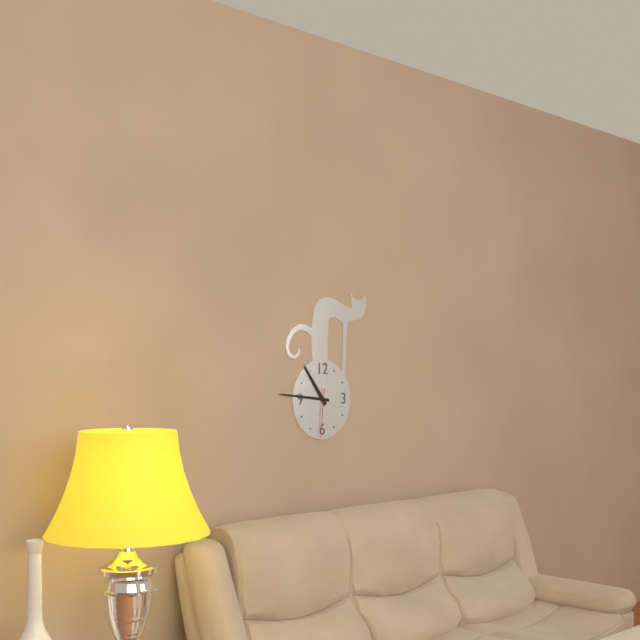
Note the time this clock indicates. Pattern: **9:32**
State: **10:46**
